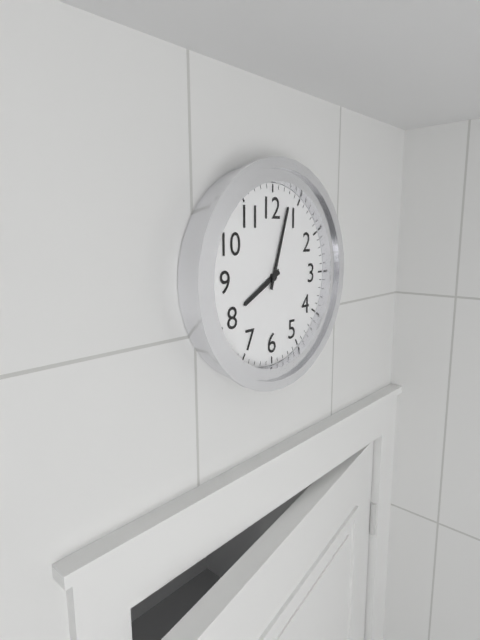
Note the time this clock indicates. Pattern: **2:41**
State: **8:03**
